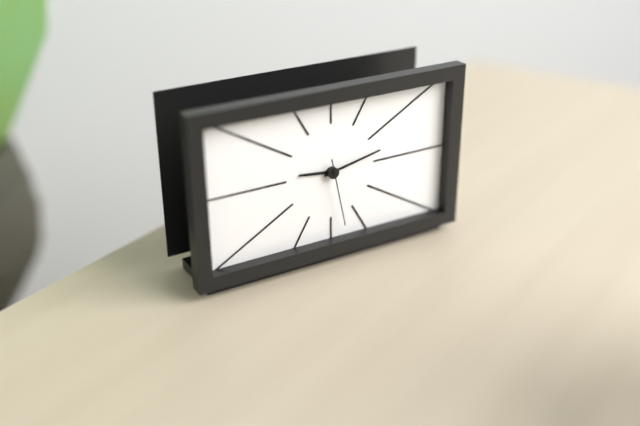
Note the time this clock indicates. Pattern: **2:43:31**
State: **9:13:28**
